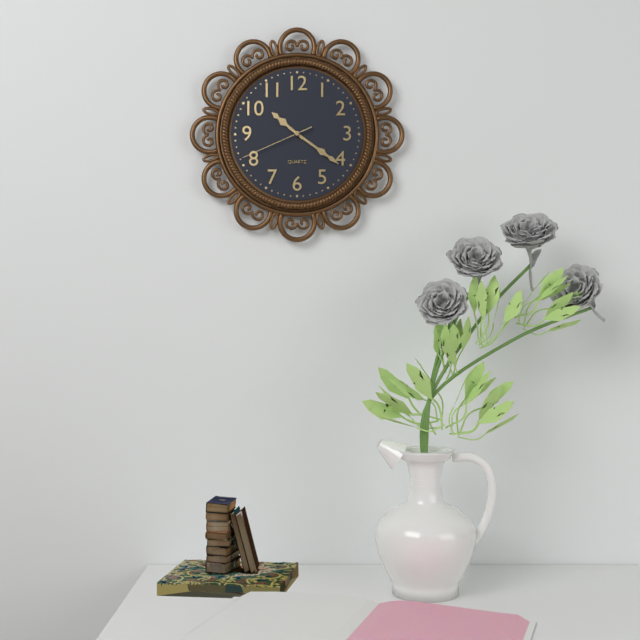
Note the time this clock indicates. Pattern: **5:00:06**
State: **10:21:41**
